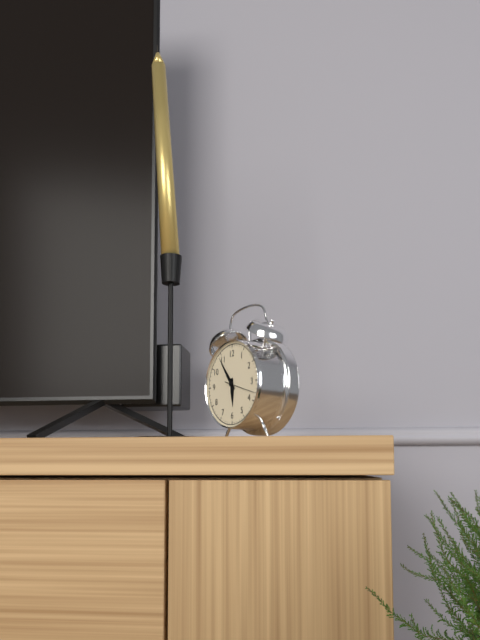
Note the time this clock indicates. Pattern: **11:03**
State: **5:54**
